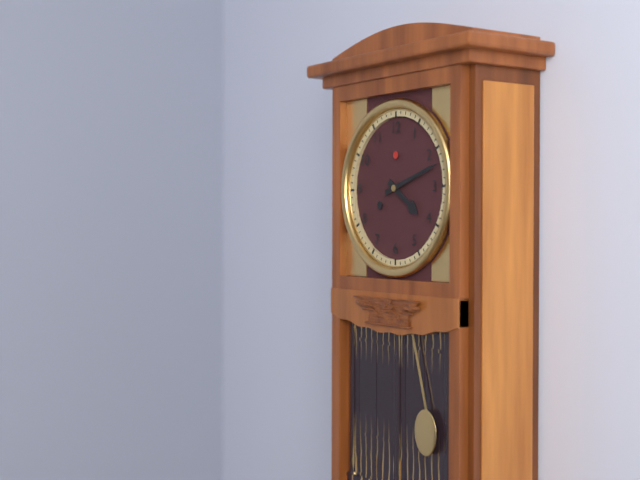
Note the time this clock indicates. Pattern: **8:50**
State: **4:12**
